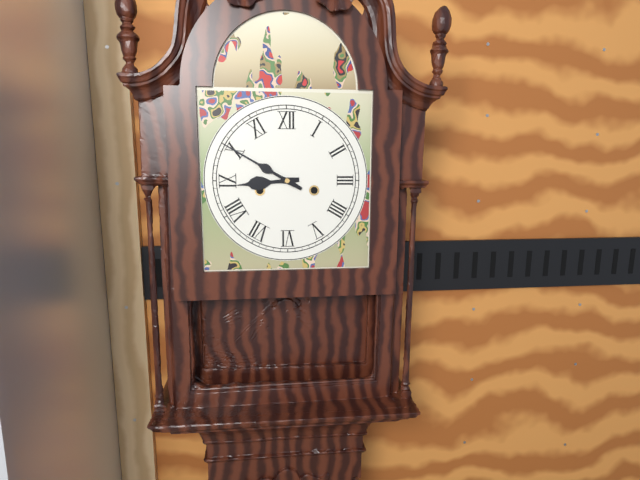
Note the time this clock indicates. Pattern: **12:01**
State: **8:50**
